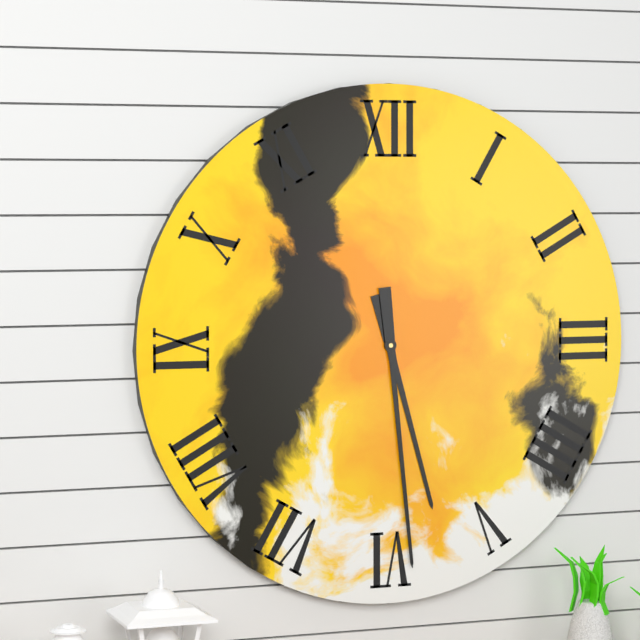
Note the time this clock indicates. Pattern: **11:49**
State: **5:29**
